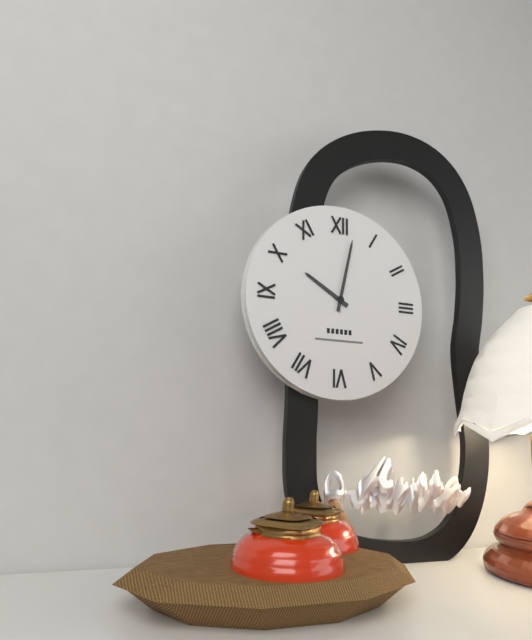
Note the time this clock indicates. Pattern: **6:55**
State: **10:02**
